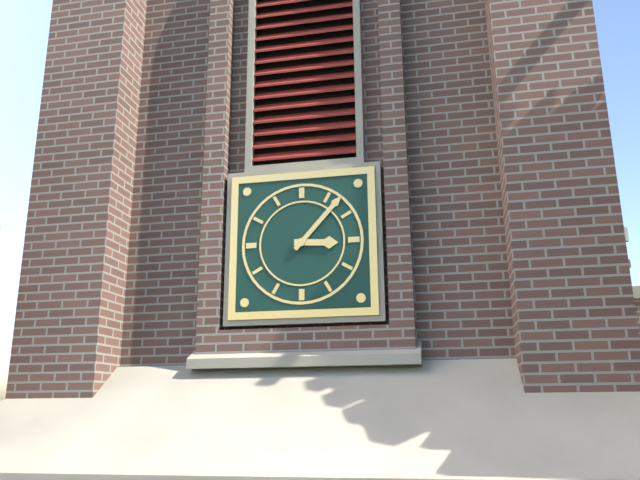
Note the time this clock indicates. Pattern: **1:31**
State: **3:07**
